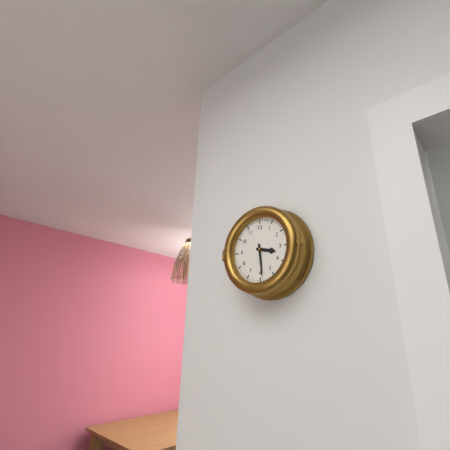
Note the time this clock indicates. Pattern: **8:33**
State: **3:29**
